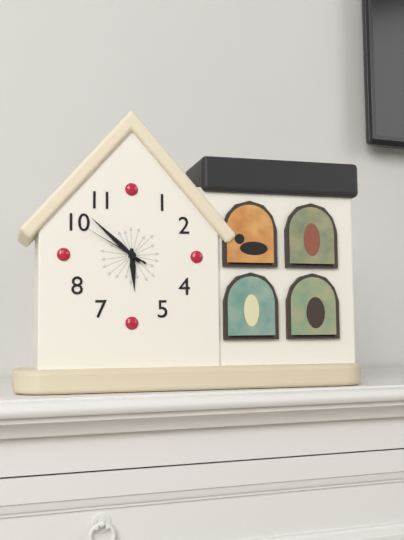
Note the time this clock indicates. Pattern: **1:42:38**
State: **5:52:50**
